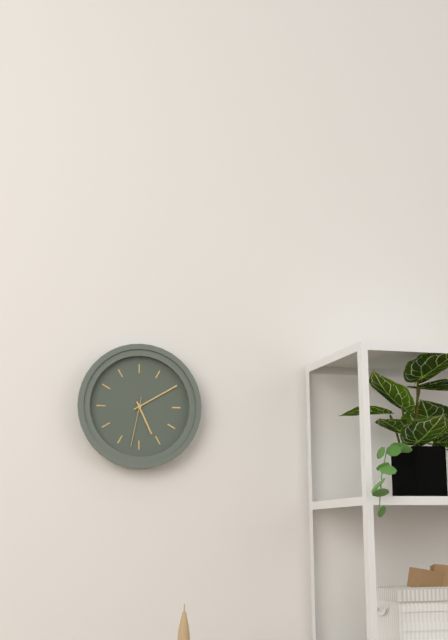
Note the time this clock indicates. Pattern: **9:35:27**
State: **5:10:32**
